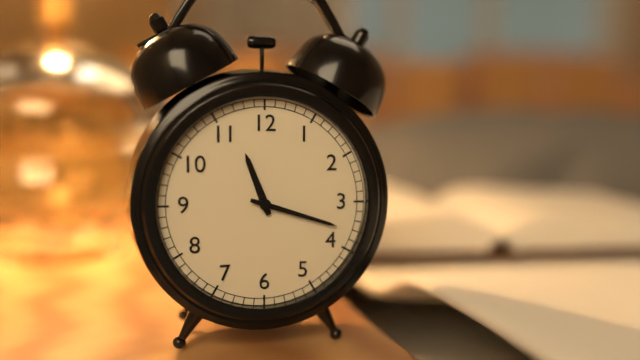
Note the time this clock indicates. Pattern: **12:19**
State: **11:18**
